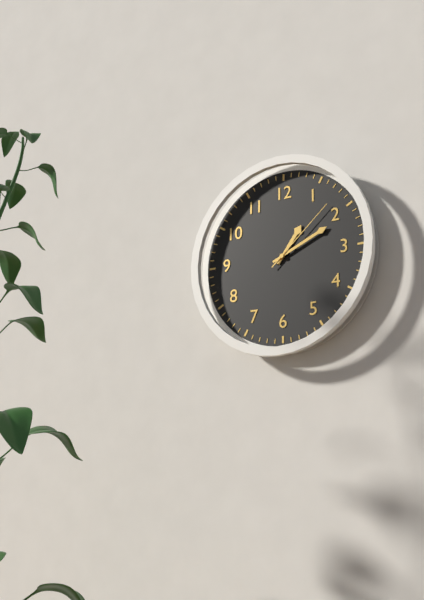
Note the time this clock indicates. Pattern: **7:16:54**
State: **1:11:08**
